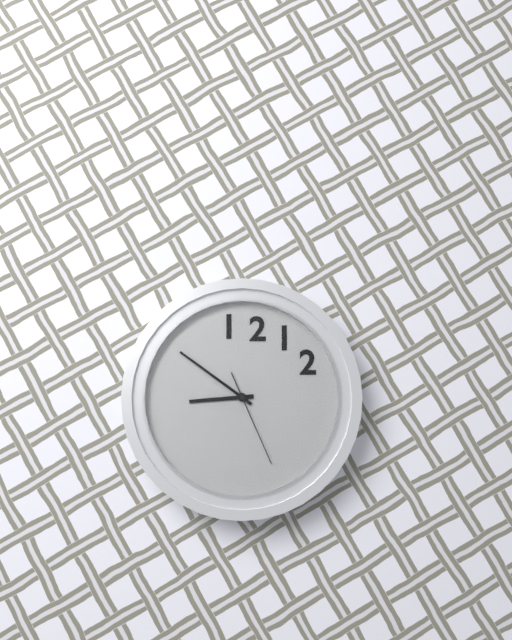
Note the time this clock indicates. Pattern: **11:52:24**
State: **8:51:26**
